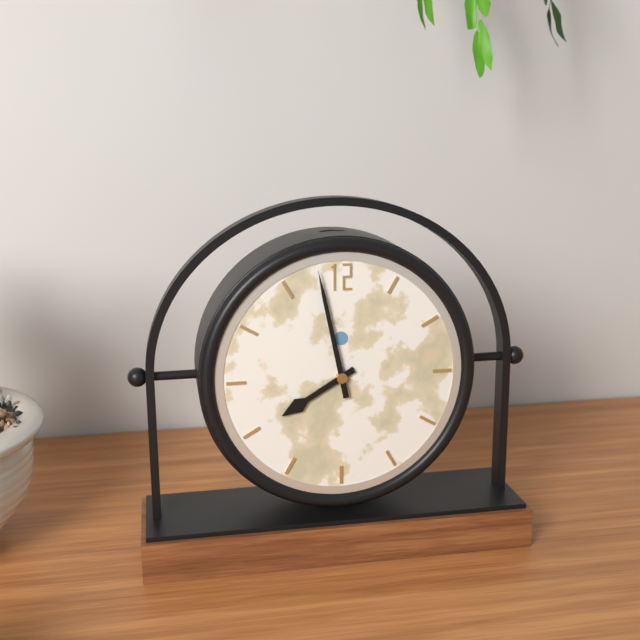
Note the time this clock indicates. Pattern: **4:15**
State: **7:58**
